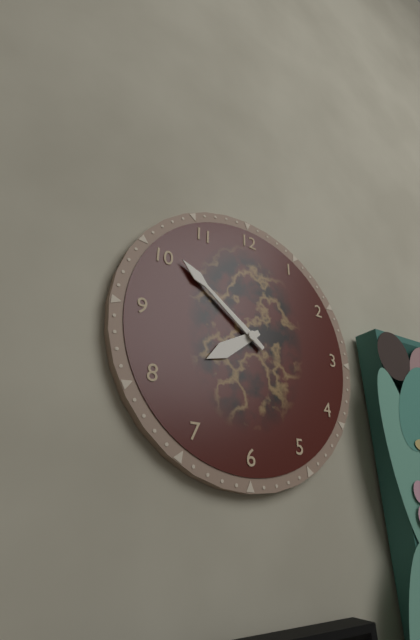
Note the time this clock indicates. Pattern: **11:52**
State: **7:51**
